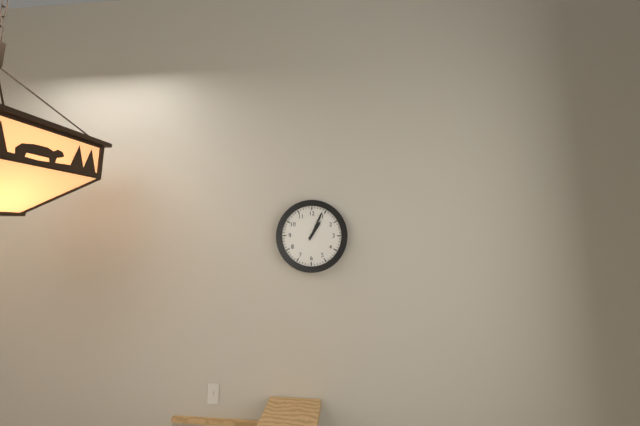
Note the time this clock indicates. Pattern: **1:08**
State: **1:04**
